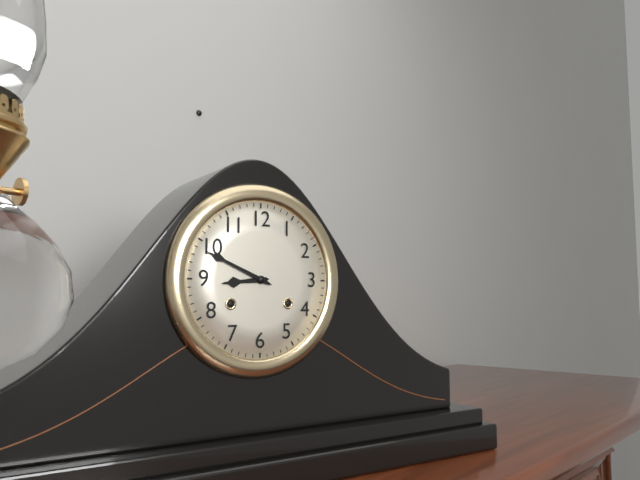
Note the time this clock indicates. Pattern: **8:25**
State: **8:49**
